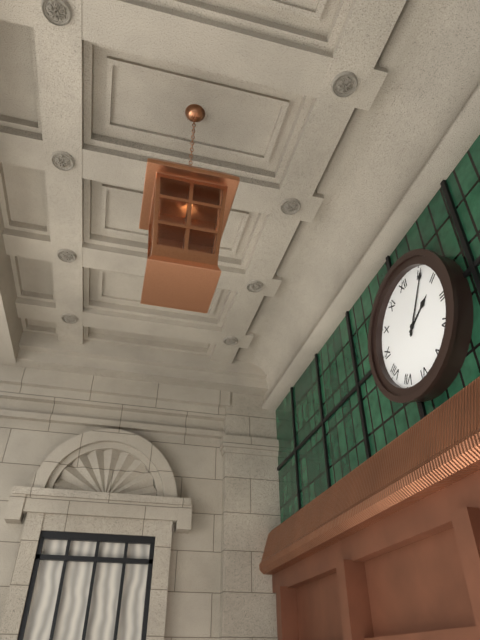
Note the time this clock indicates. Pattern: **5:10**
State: **2:06**
